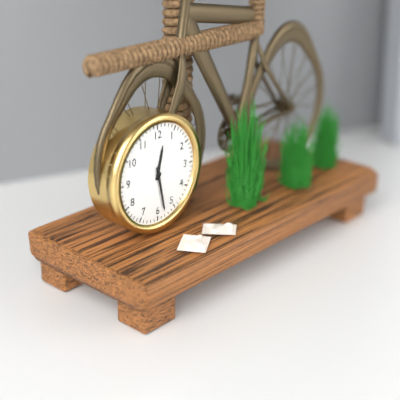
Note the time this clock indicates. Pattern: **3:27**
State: **12:28**
